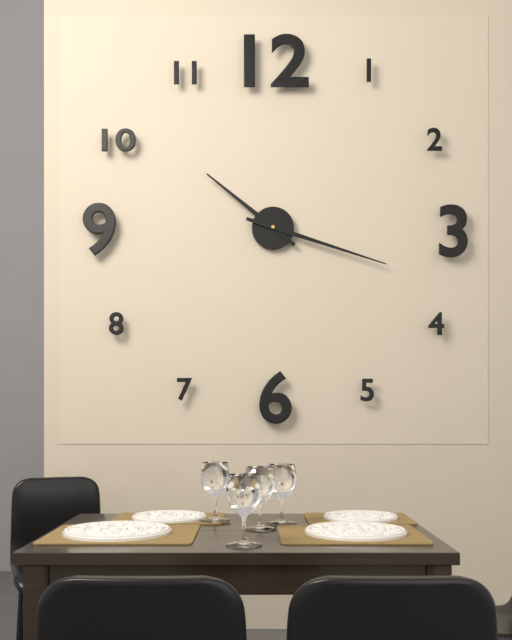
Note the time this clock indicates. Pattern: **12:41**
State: **10:18**
